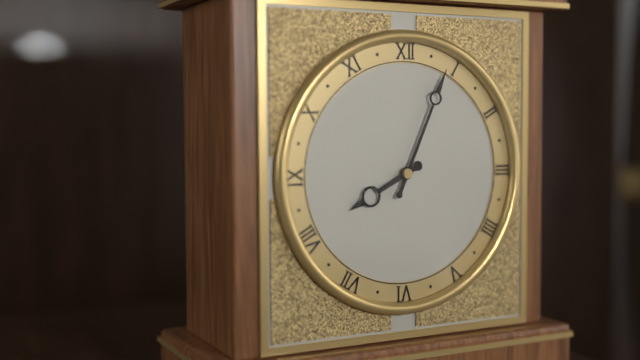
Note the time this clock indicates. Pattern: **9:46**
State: **8:04**
